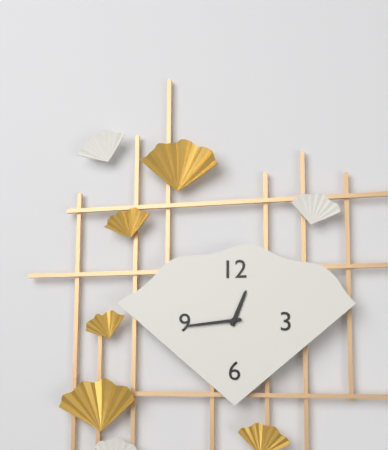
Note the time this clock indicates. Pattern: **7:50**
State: **12:44**
